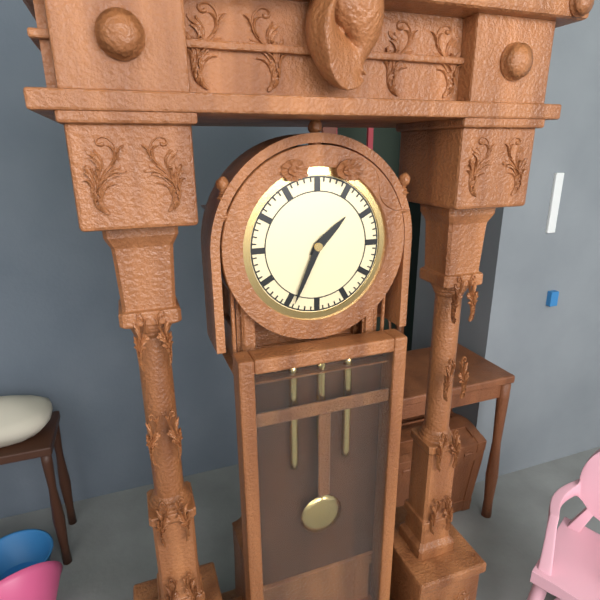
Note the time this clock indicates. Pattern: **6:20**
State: **1:34**
